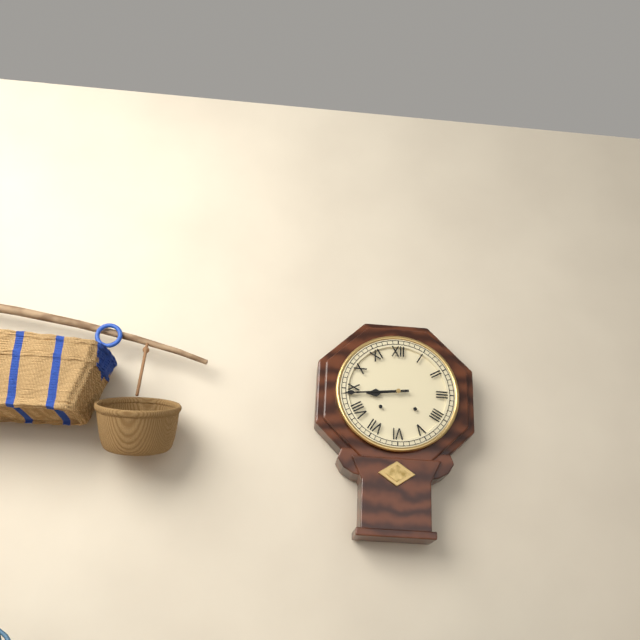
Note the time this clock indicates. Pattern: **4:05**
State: **8:44**
